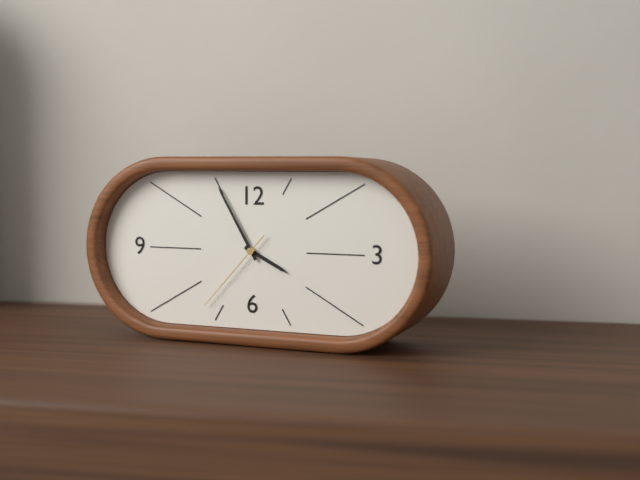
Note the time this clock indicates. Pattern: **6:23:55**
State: **3:55:37**
